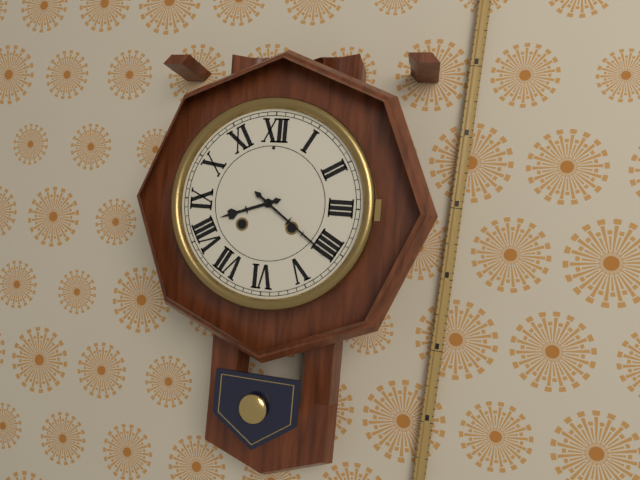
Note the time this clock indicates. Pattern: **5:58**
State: **8:21**
